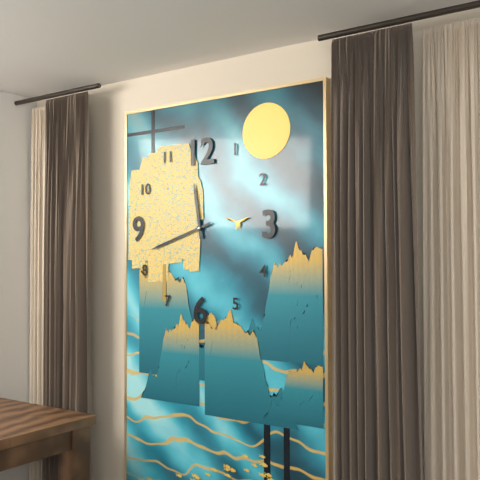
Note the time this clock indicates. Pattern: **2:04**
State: **11:42**
